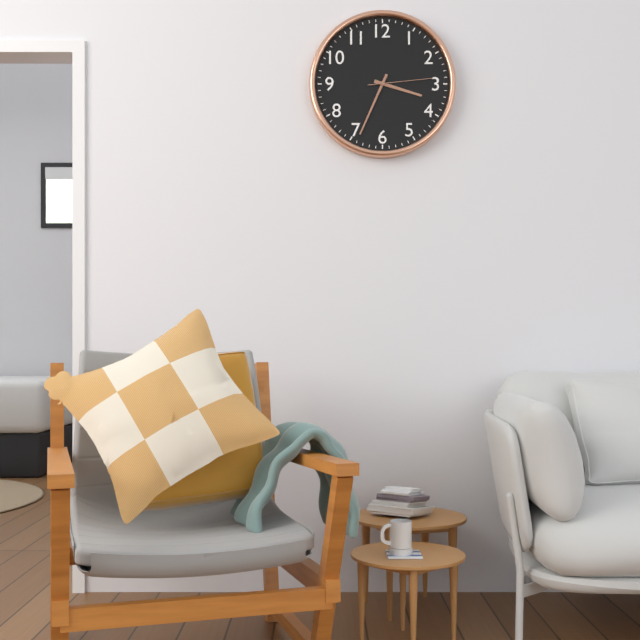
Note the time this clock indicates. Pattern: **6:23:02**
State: **3:34:14**
